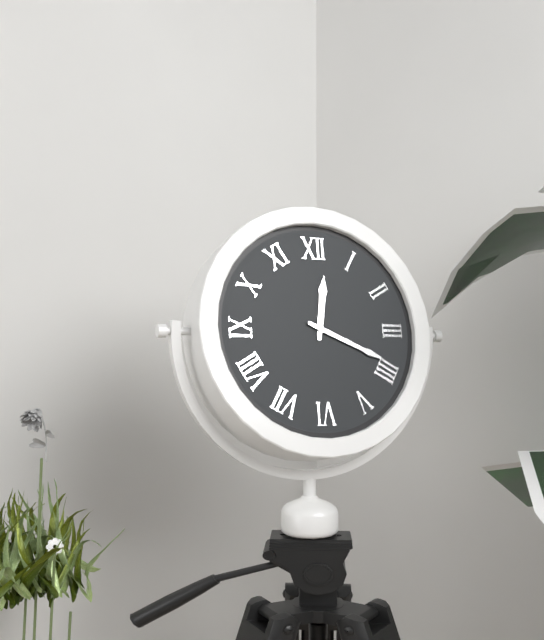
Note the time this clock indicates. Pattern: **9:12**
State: **12:19**
